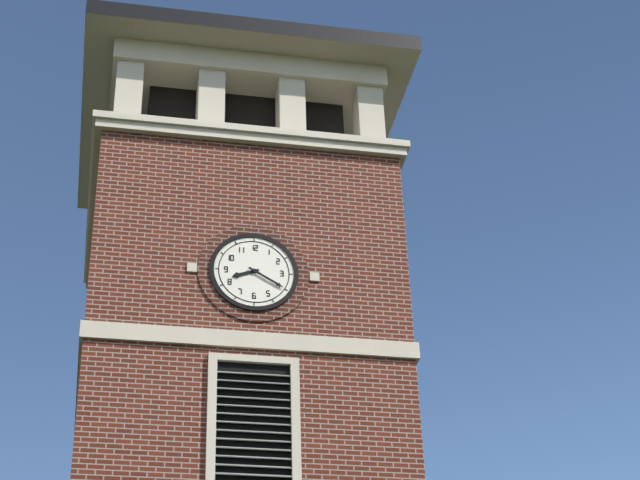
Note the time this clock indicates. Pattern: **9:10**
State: **8:20**
